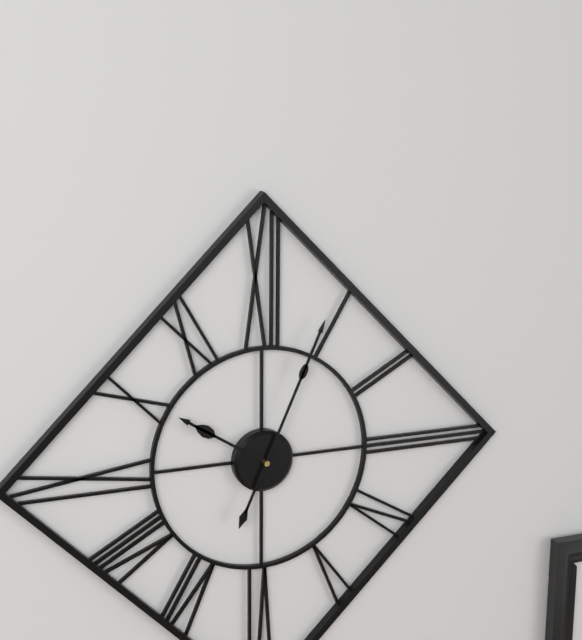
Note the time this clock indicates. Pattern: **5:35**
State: **10:04**
